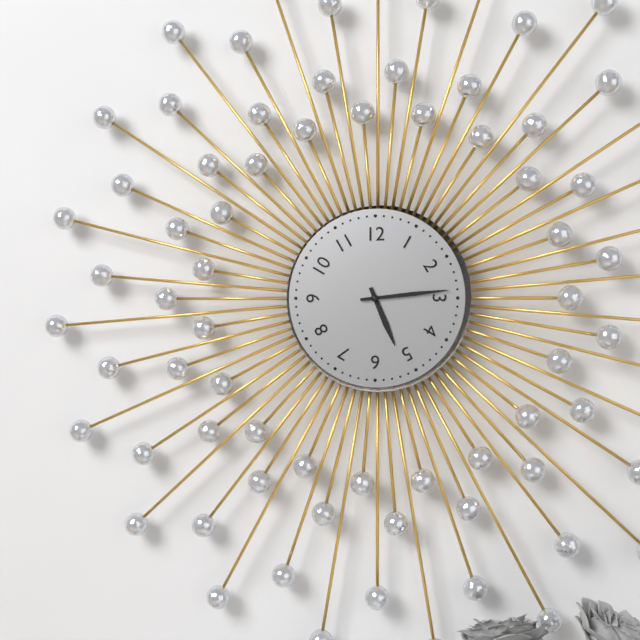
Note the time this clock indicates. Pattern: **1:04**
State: **5:14**
